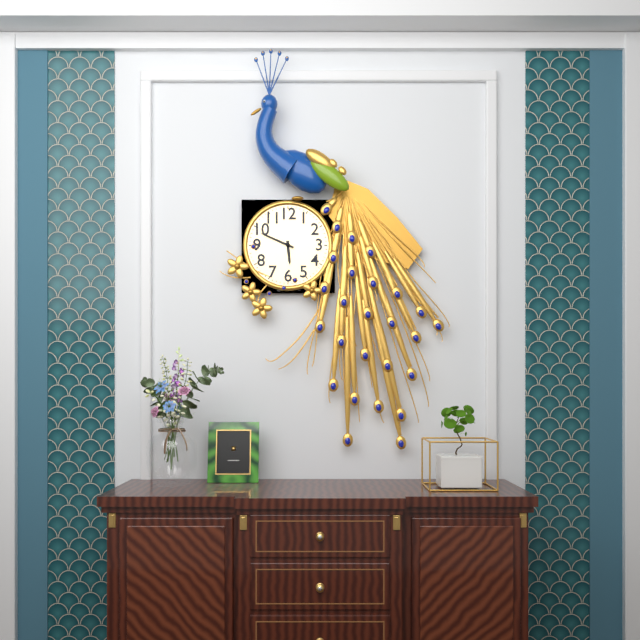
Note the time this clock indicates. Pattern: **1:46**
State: **5:49**
